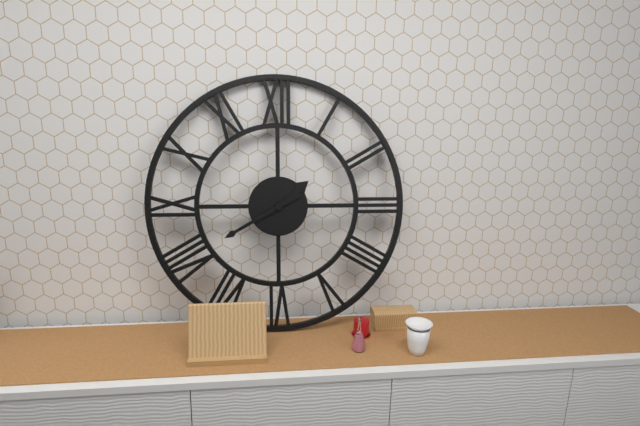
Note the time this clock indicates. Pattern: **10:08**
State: **1:40**
